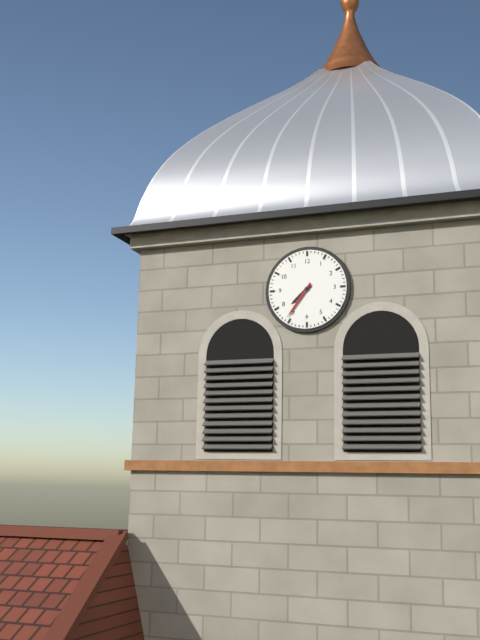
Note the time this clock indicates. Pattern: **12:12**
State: **7:36**
